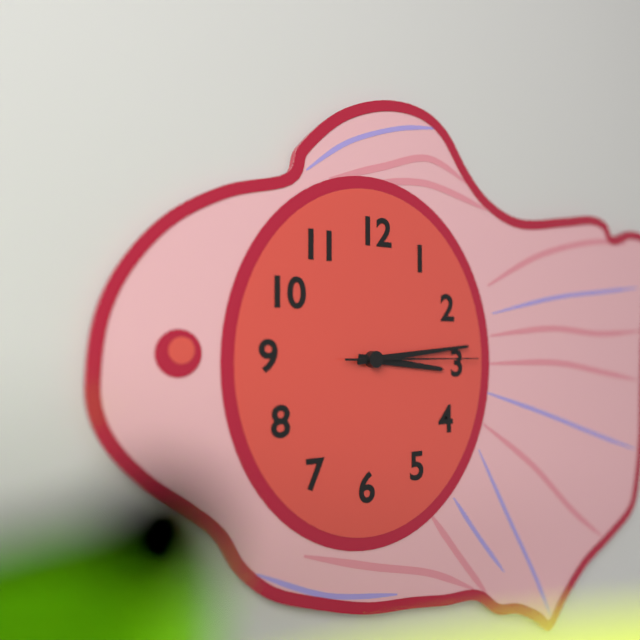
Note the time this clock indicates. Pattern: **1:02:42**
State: **3:14:15**
